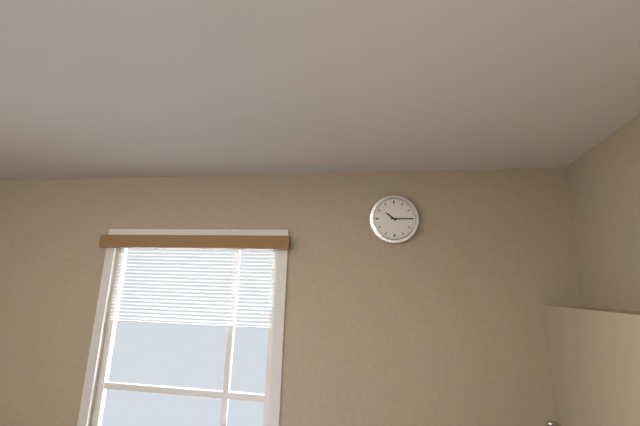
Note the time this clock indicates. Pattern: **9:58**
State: **10:15**
